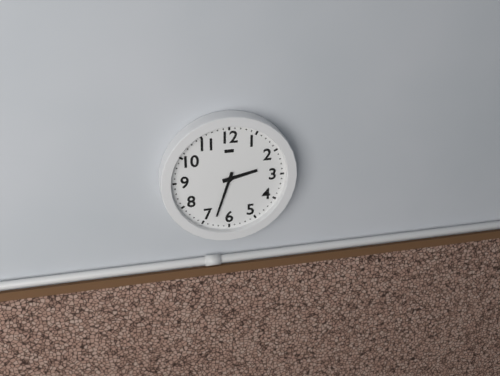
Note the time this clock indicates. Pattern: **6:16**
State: **2:33**
